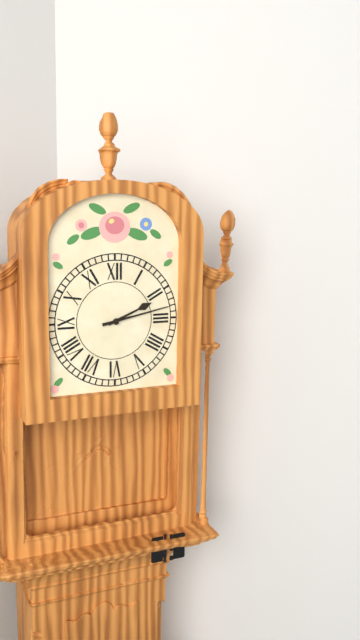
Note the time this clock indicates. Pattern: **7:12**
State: **2:13**
